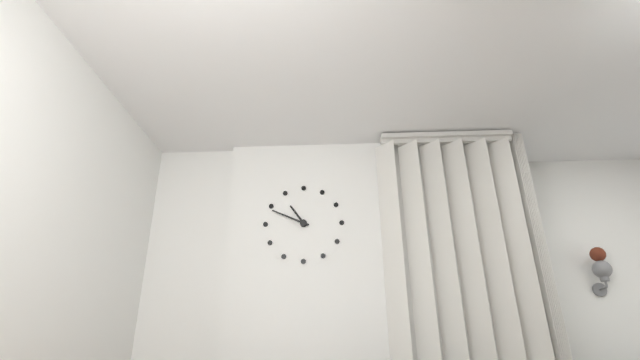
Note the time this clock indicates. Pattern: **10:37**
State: **10:49**
